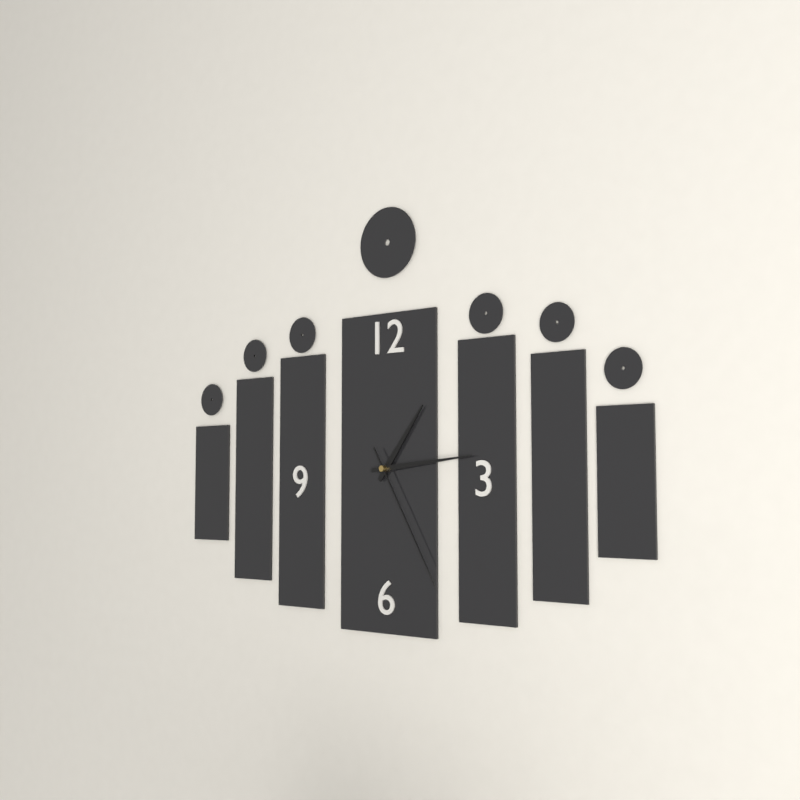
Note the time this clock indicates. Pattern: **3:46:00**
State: **1:14:25**
